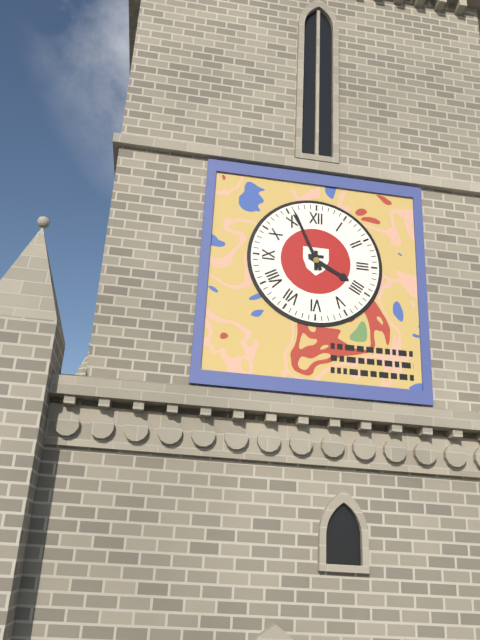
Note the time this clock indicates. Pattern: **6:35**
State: **3:56**
